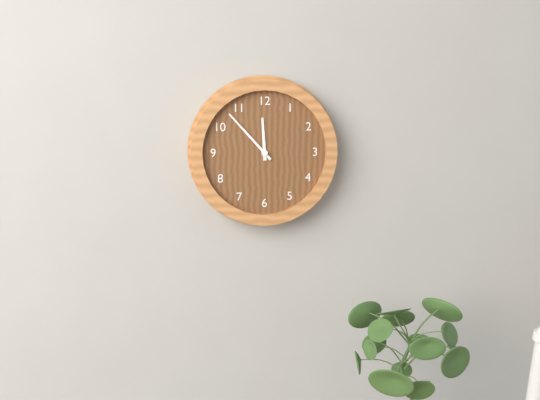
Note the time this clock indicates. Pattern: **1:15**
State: **11:53**
